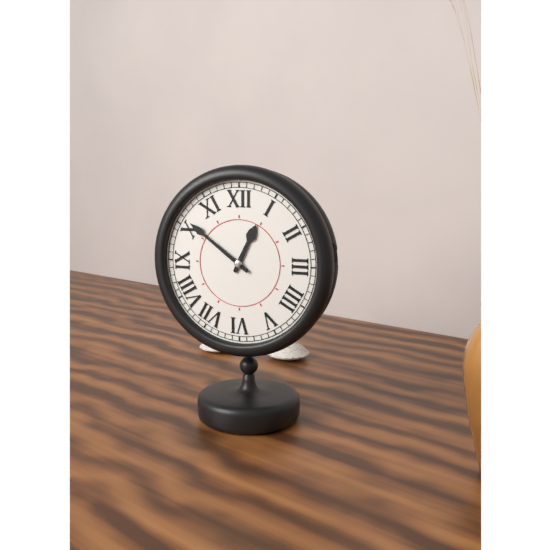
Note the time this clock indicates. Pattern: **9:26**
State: **12:51**
